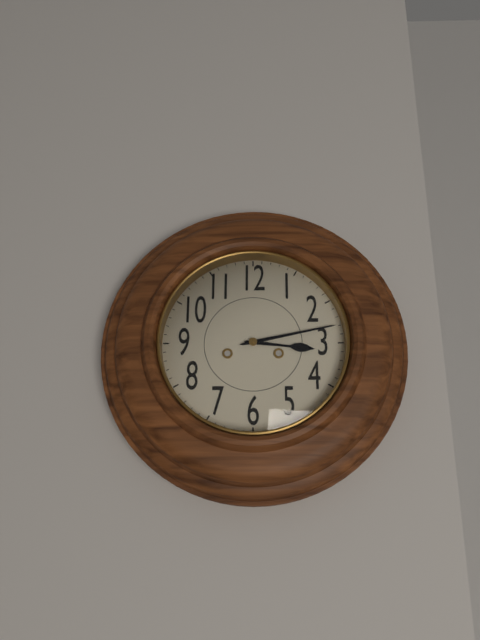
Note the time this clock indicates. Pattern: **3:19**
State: **3:13**
